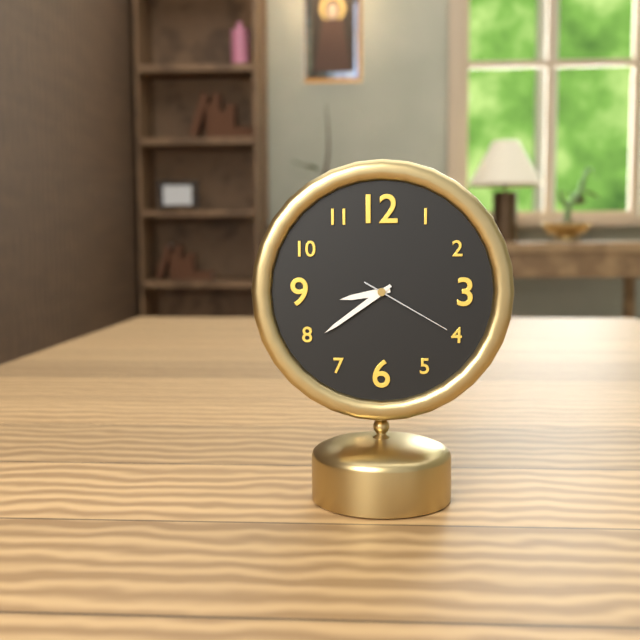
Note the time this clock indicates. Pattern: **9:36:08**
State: **8:39:20**
